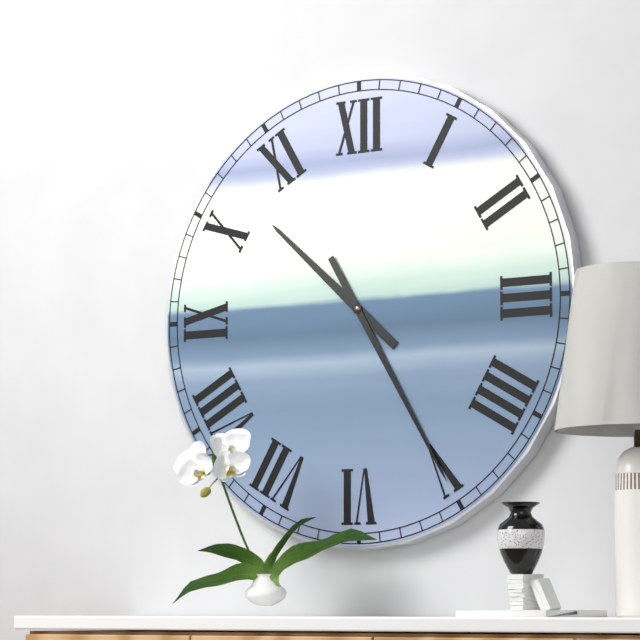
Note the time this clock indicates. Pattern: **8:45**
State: **10:25**
